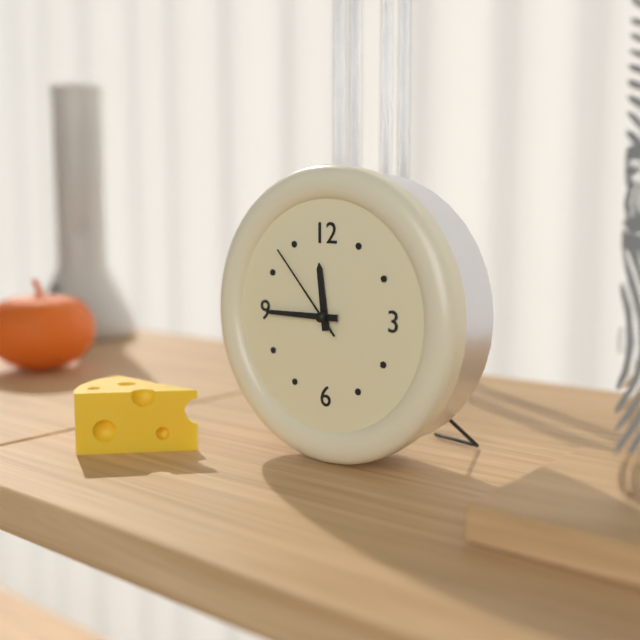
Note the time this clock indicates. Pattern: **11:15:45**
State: **11:45:53**
